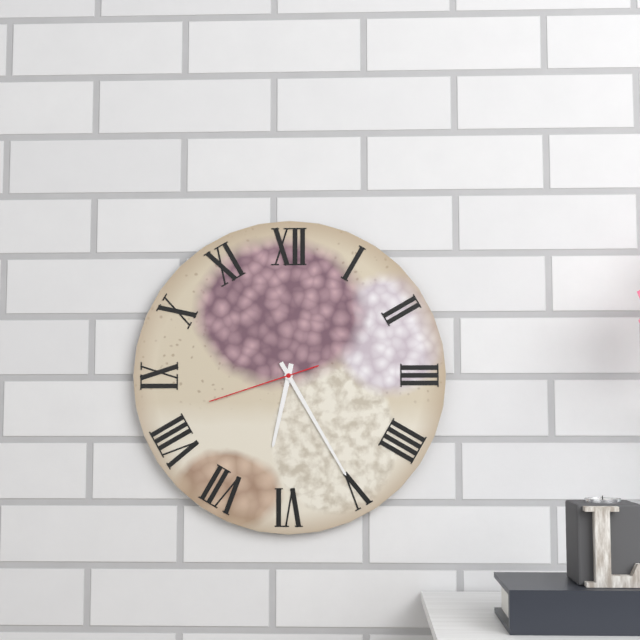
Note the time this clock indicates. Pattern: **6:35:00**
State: **6:25:42**
